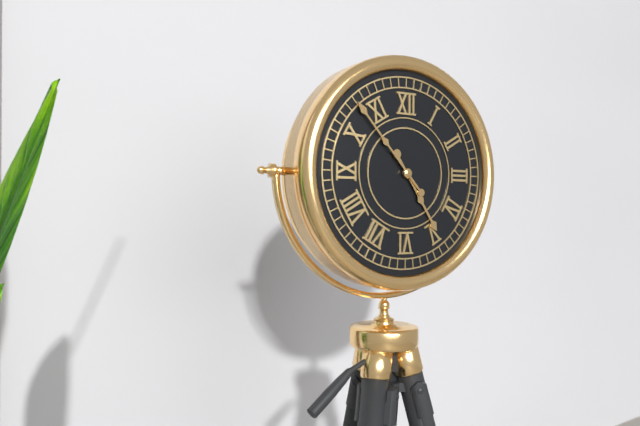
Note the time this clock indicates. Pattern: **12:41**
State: **4:53**
